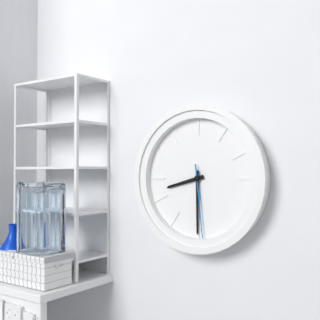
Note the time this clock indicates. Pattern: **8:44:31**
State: **8:30:29**
